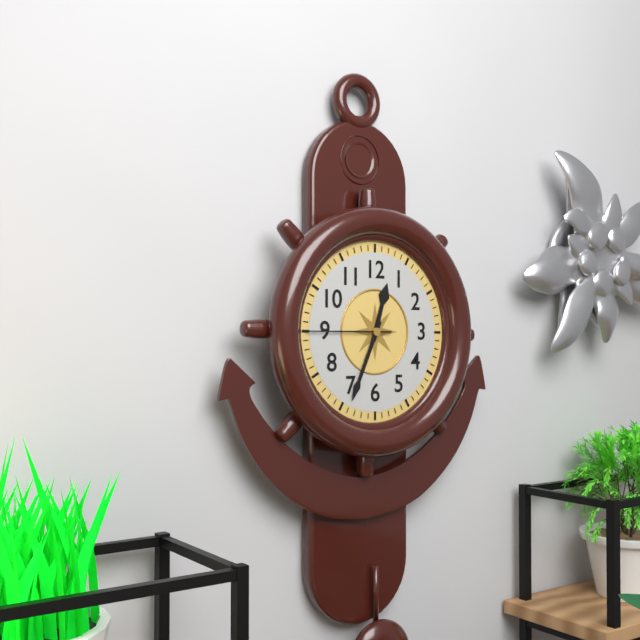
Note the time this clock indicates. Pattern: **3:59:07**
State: **12:34:45**
